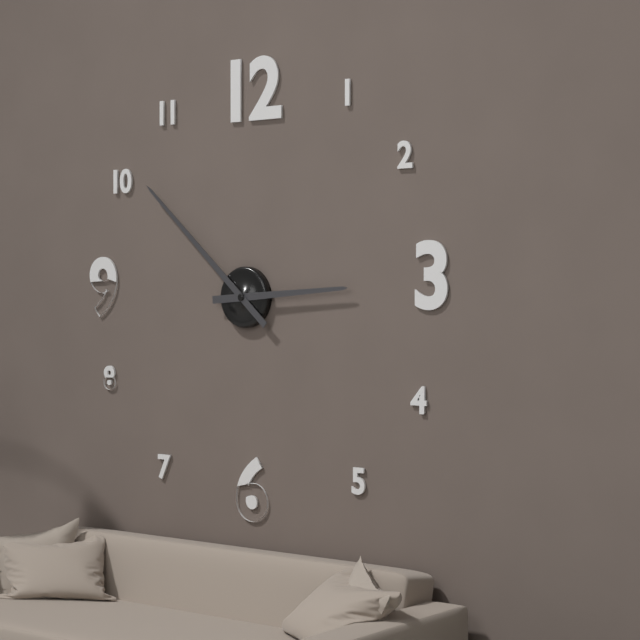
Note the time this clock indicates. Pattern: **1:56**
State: **2:52**
